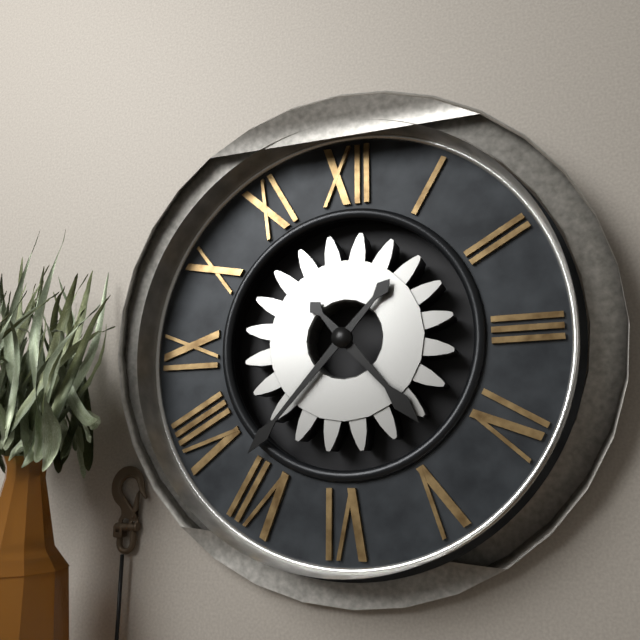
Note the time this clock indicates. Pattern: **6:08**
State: **4:37**
